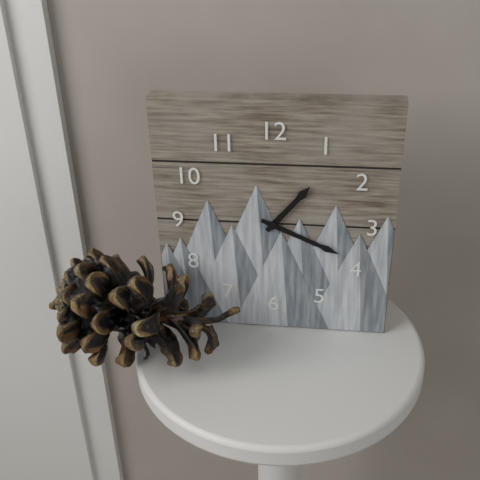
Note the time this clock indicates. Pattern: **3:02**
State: **1:19**
